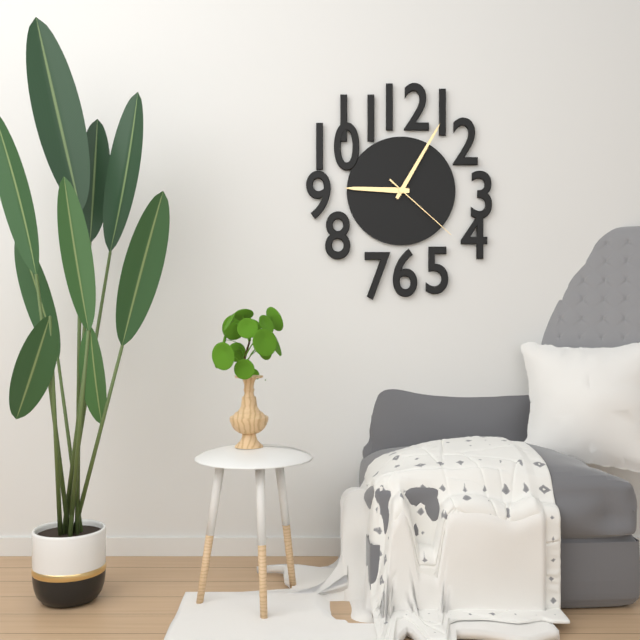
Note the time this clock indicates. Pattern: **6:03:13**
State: **9:05:22**
